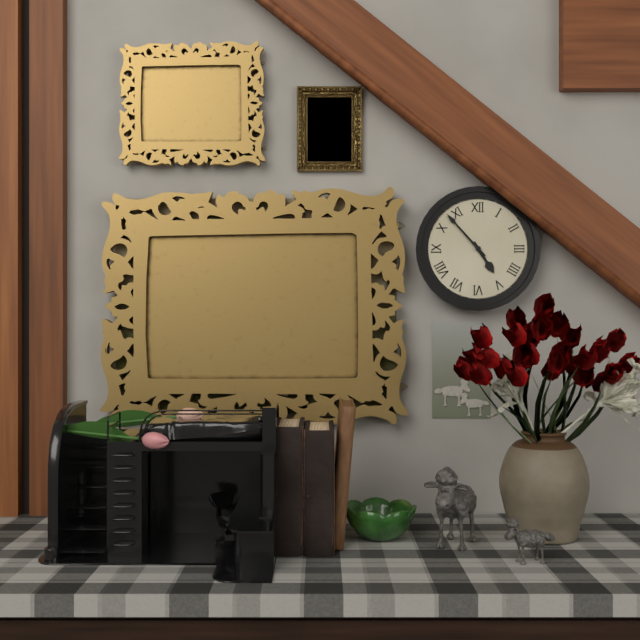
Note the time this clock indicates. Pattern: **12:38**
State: **4:53**
